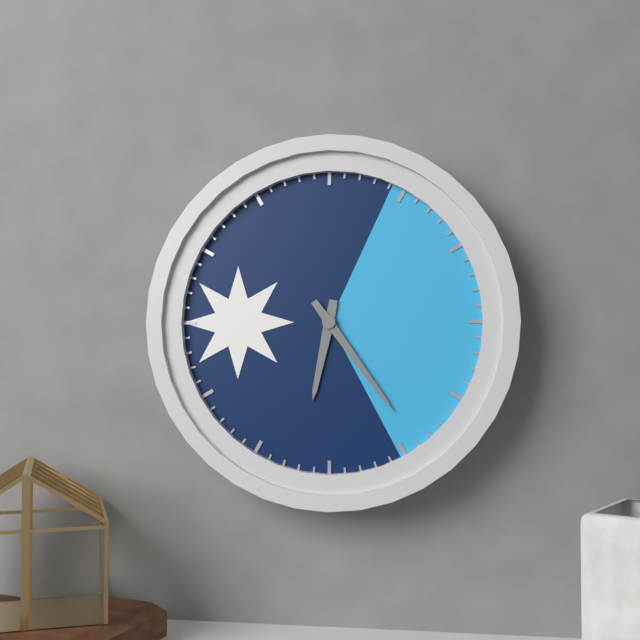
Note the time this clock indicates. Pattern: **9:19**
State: **6:24**
